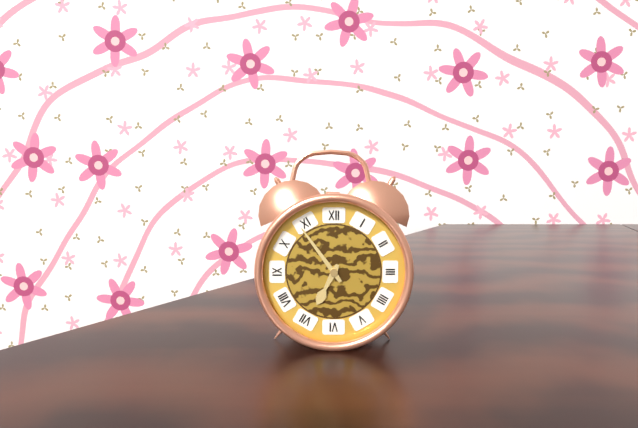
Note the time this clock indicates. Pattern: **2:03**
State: **6:54**
